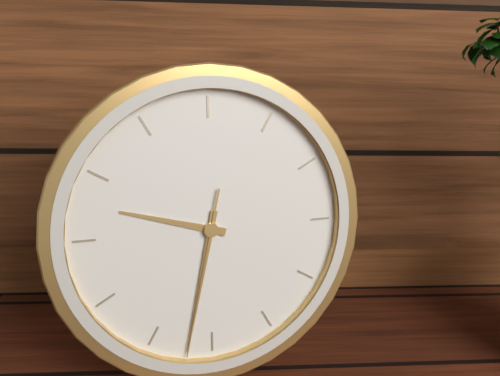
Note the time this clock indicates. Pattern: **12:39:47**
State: **9:32:32**
